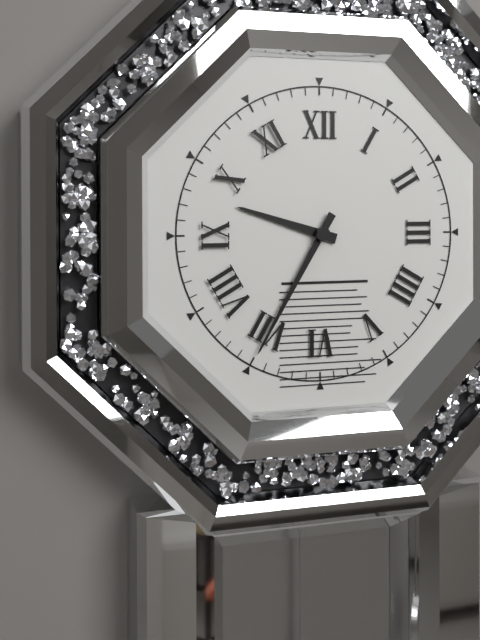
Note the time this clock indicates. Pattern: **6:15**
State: **9:35**
